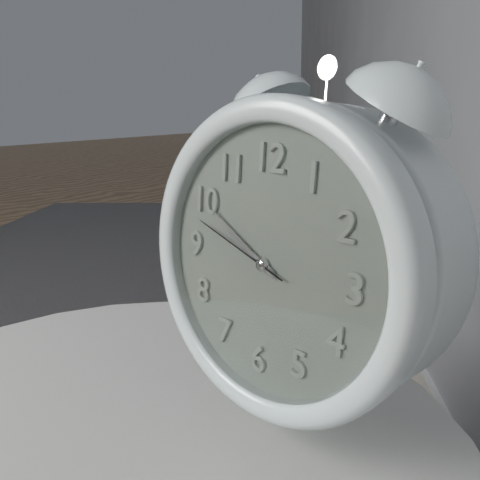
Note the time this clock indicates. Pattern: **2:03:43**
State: **9:50:48**
